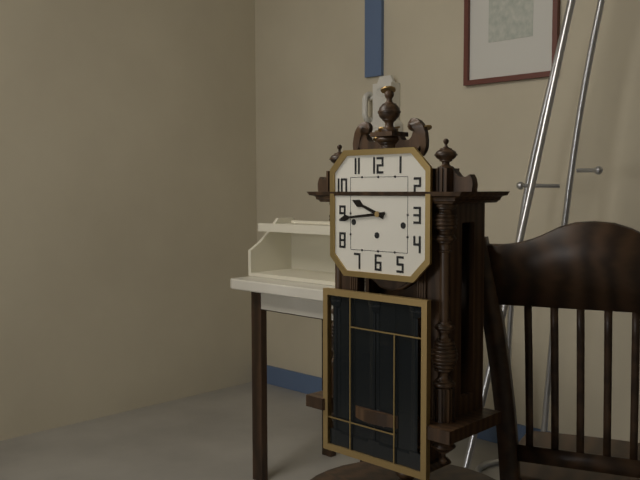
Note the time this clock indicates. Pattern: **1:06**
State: **9:44**
